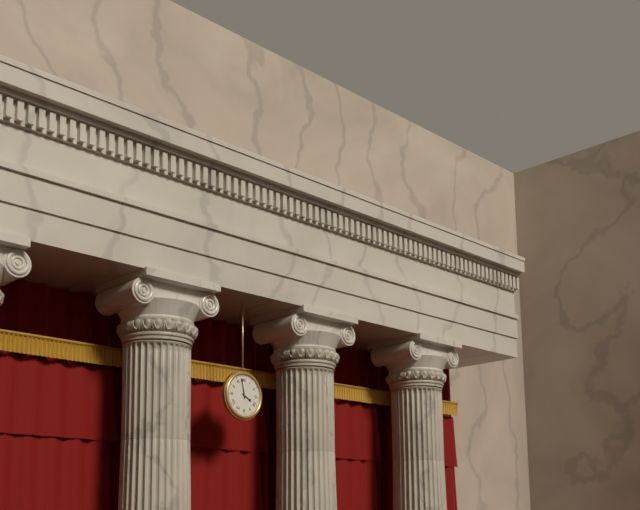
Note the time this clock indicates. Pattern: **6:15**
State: **3:58**
